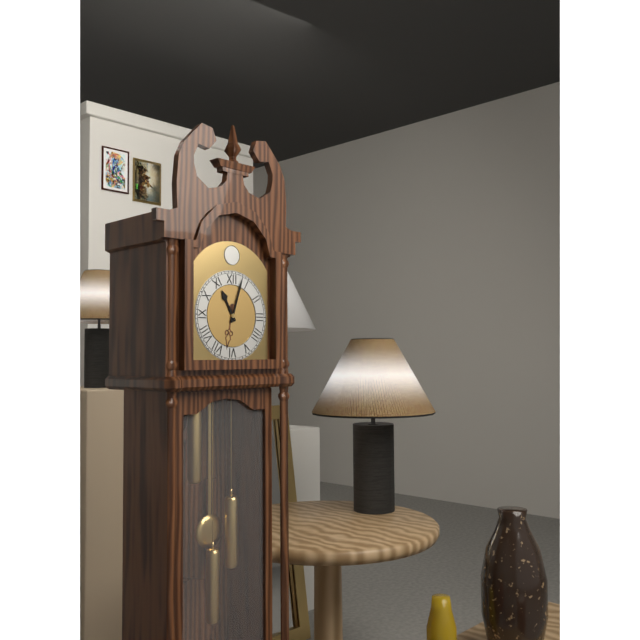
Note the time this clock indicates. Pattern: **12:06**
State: **11:03**
